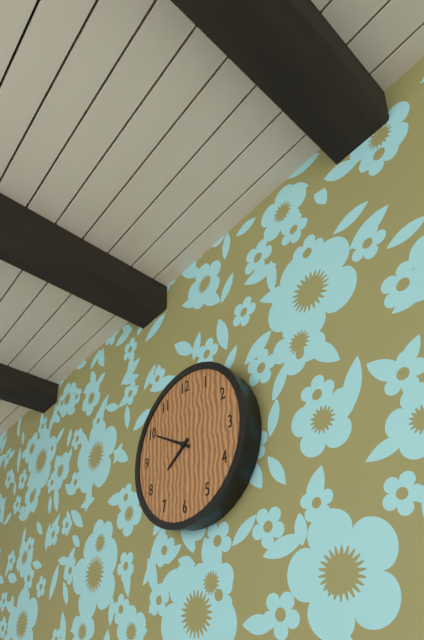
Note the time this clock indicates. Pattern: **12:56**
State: **7:50**
